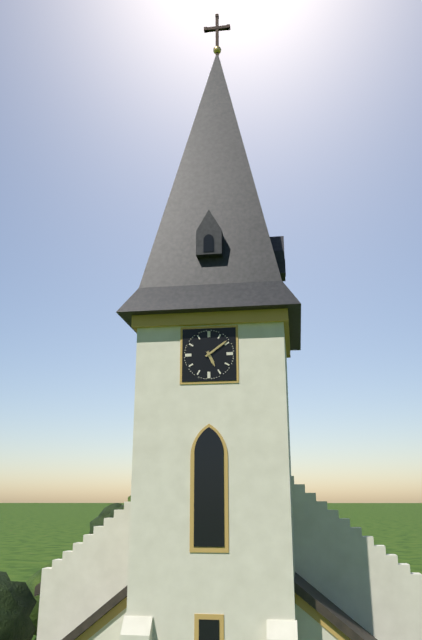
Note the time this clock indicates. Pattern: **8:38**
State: **5:09**
